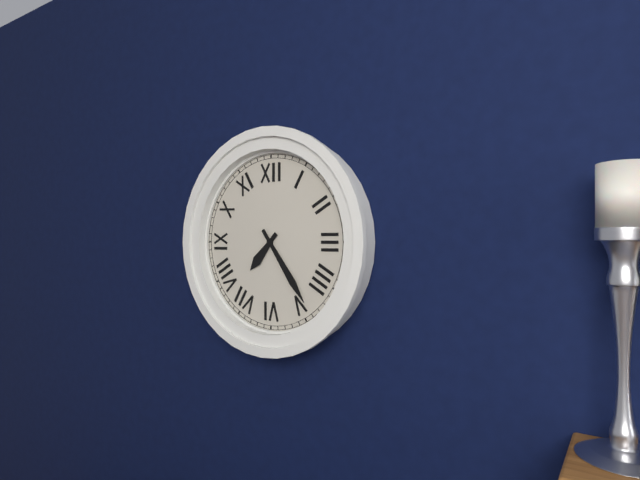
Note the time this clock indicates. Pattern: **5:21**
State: **7:24**
